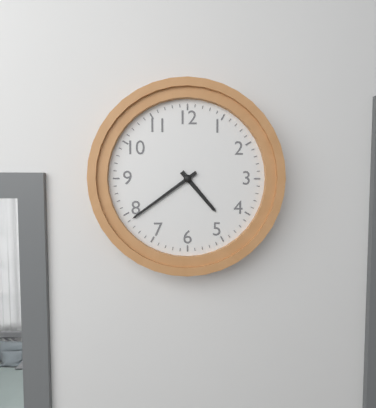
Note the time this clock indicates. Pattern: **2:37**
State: **4:39**
